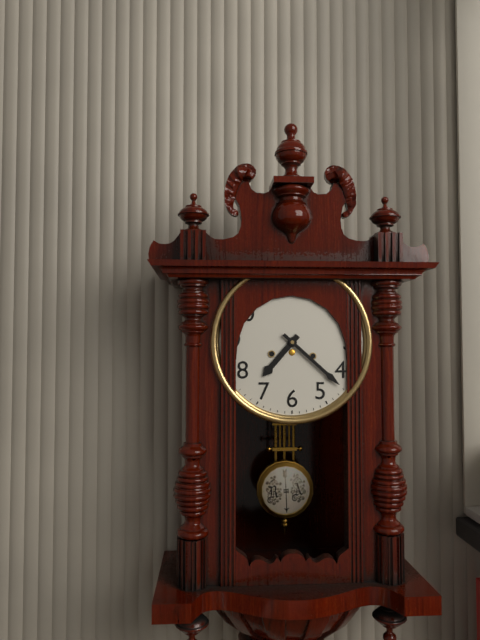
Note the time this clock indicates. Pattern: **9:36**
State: **7:22**
